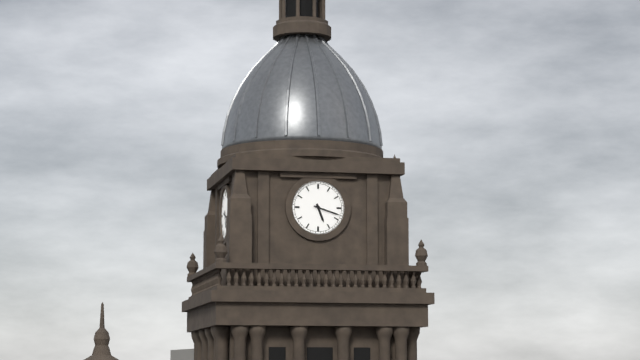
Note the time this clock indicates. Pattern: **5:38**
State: **5:18**
